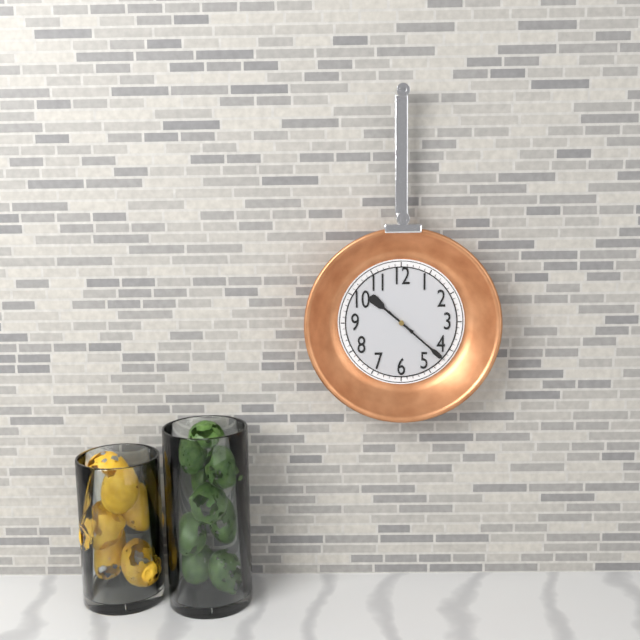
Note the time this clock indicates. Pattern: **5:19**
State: **10:22**
